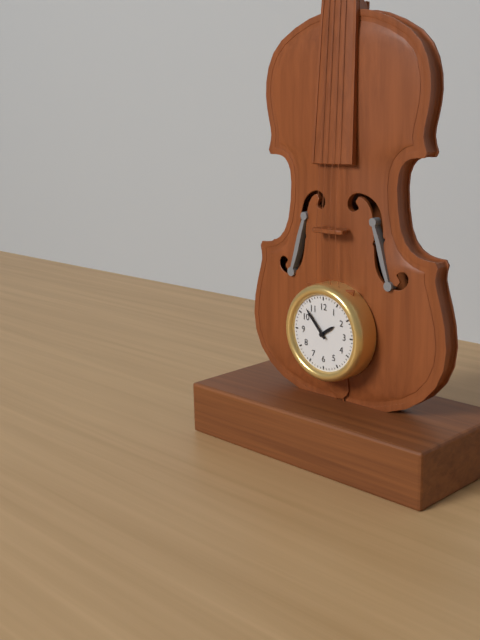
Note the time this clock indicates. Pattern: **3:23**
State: **1:53**
